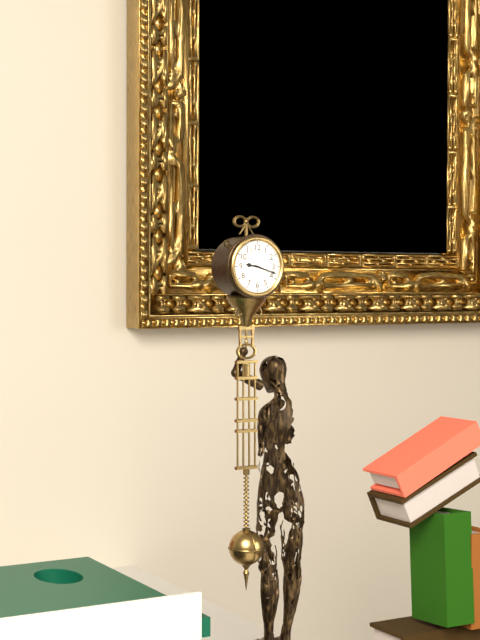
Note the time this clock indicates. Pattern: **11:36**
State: **9:18**
